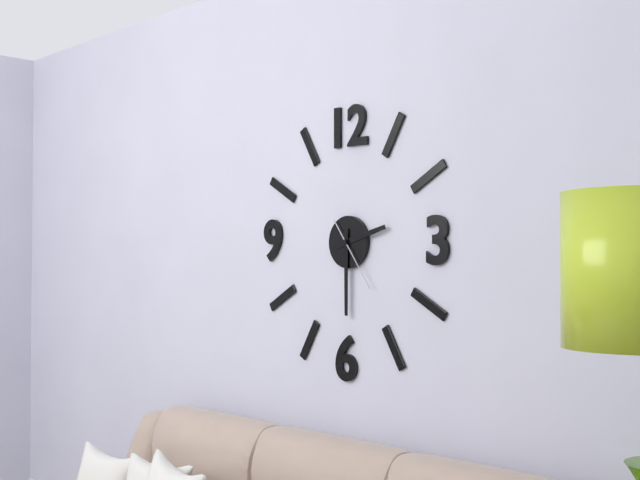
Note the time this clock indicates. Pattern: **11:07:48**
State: **2:30:24**
